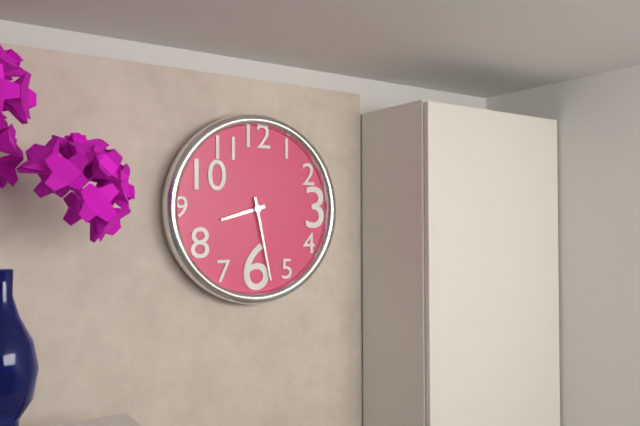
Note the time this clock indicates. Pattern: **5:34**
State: **8:28**
